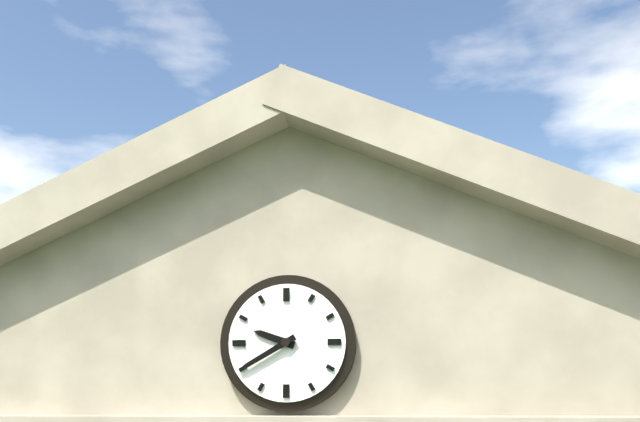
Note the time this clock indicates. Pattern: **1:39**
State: **9:40**
